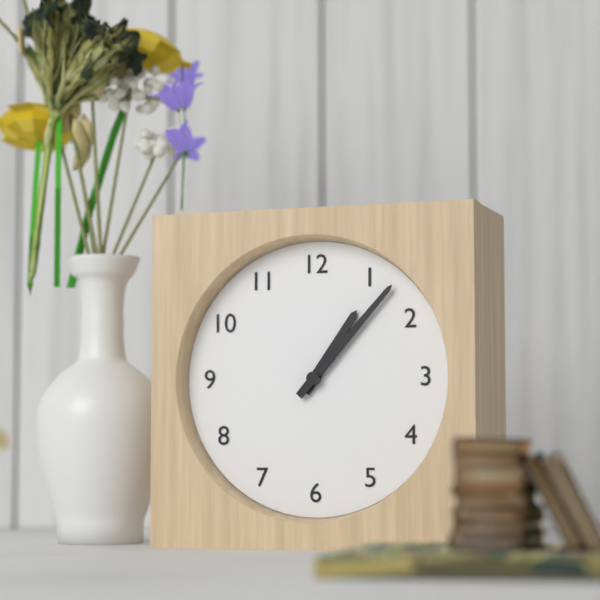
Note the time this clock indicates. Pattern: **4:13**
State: **1:07**
